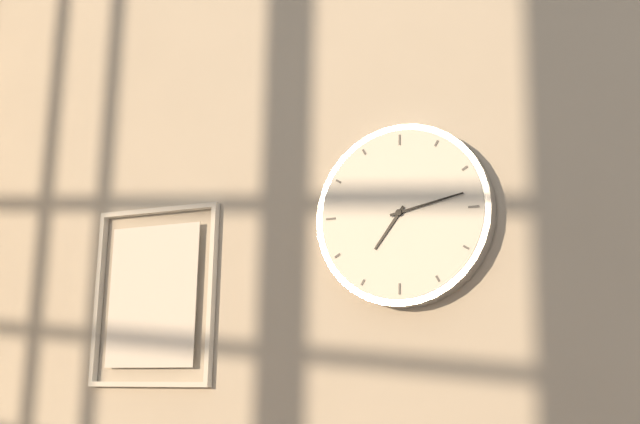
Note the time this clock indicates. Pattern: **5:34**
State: **7:13**
